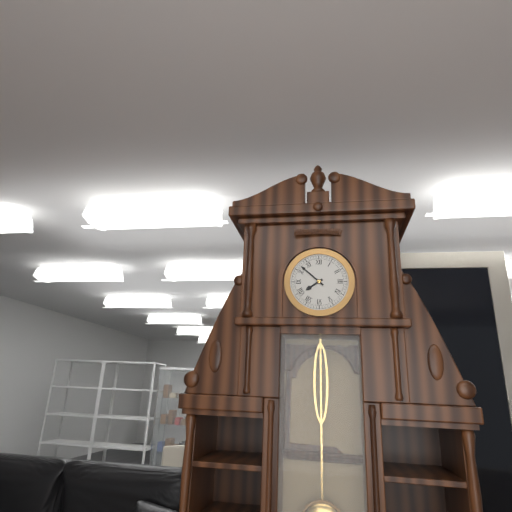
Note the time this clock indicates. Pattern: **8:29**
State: **7:52**
